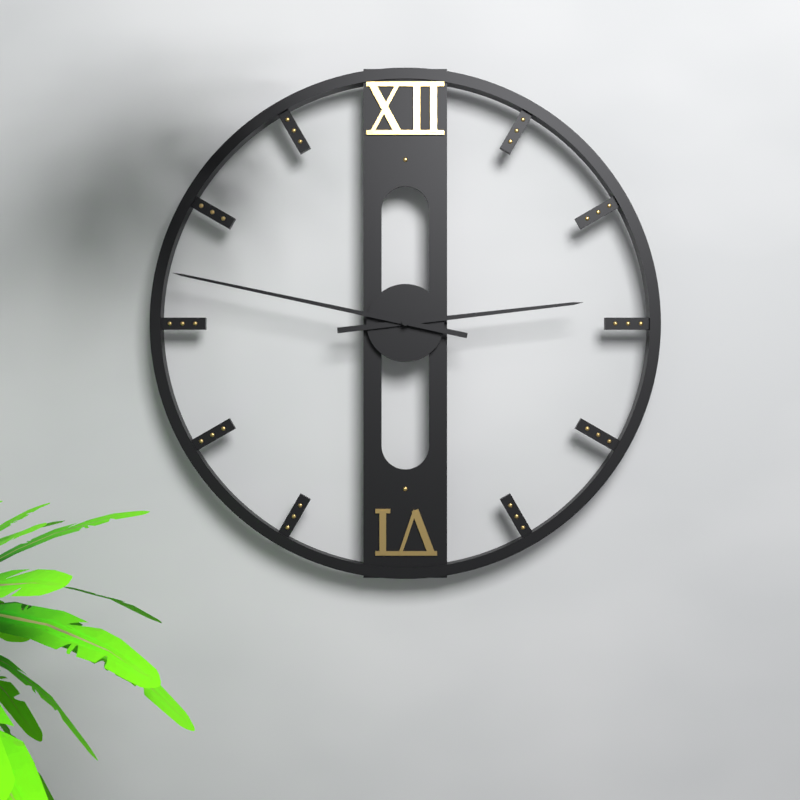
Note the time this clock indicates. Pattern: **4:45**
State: **2:47**
